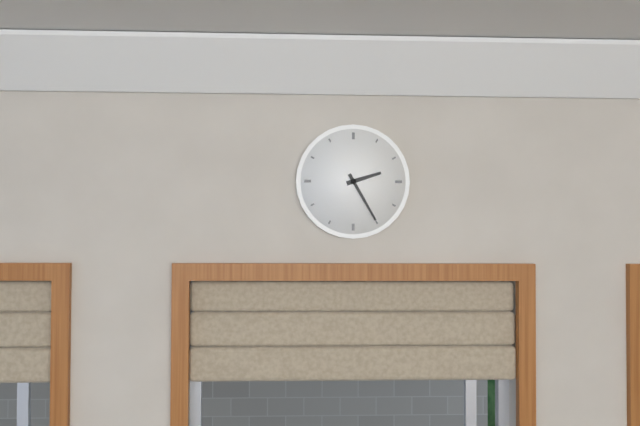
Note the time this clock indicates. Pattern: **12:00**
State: **2:25**
